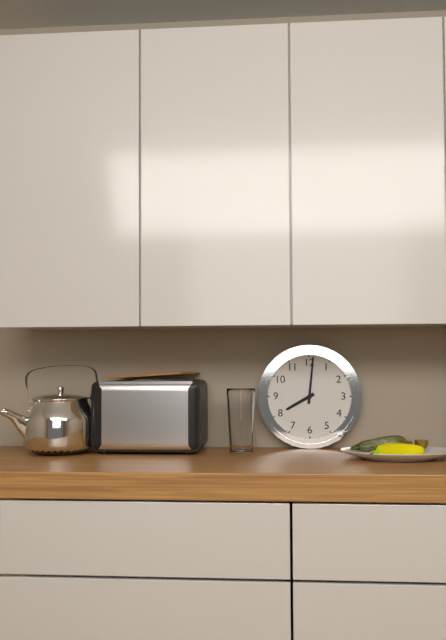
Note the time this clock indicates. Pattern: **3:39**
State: **8:01**
